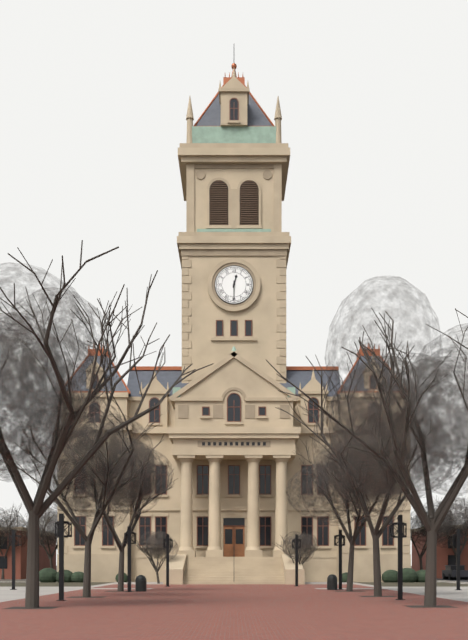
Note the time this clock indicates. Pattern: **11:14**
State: **12:30**
